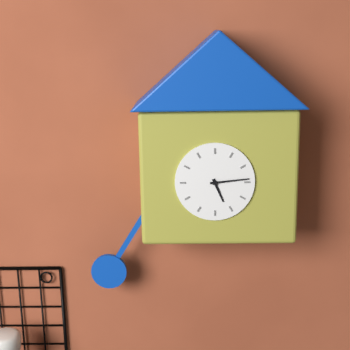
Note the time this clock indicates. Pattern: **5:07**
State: **5:14**
